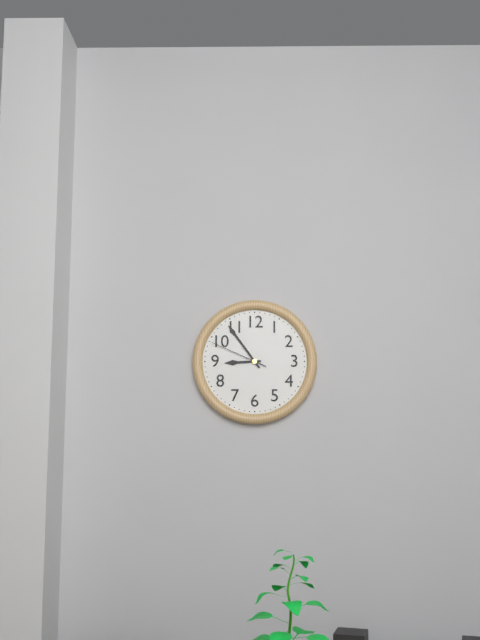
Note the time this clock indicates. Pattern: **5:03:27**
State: **8:54:49**
